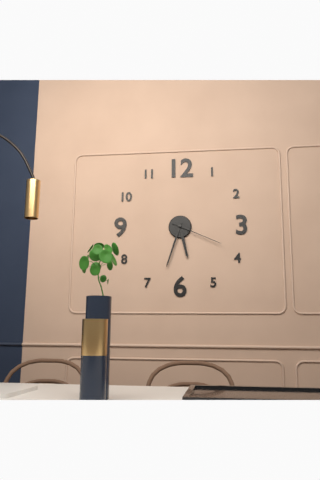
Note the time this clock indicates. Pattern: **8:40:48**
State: **5:33:19**
